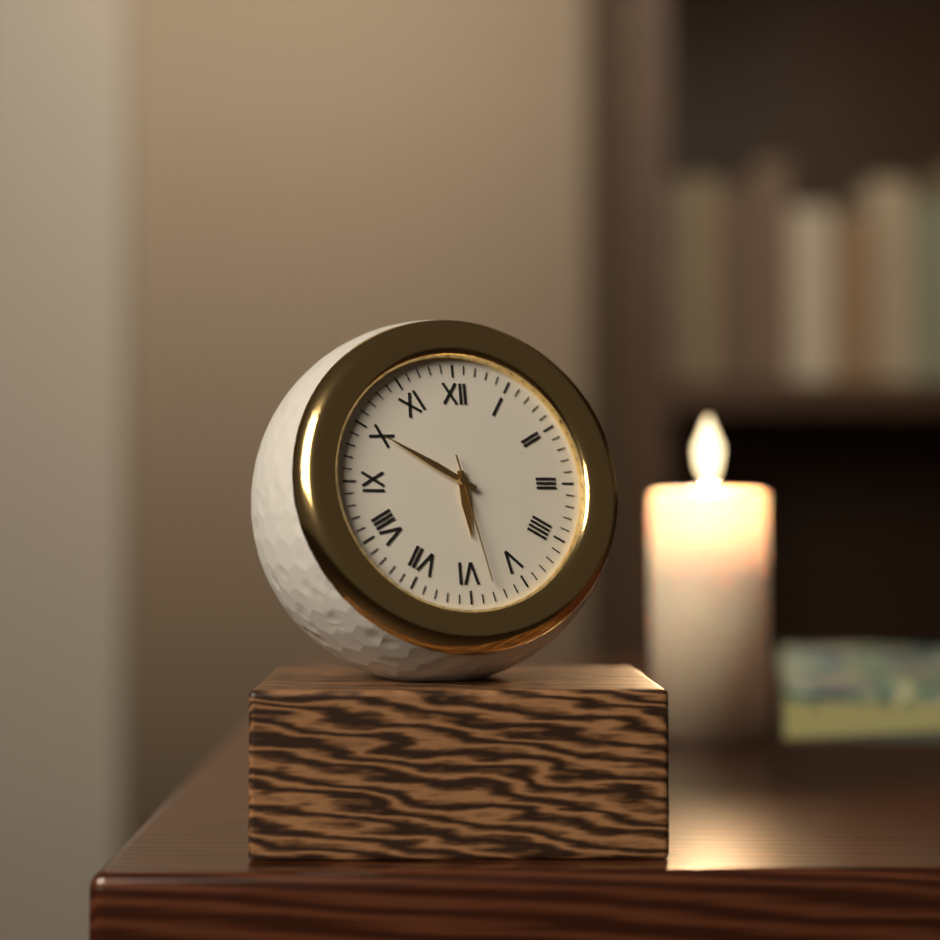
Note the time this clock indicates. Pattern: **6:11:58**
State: **5:50:28**
